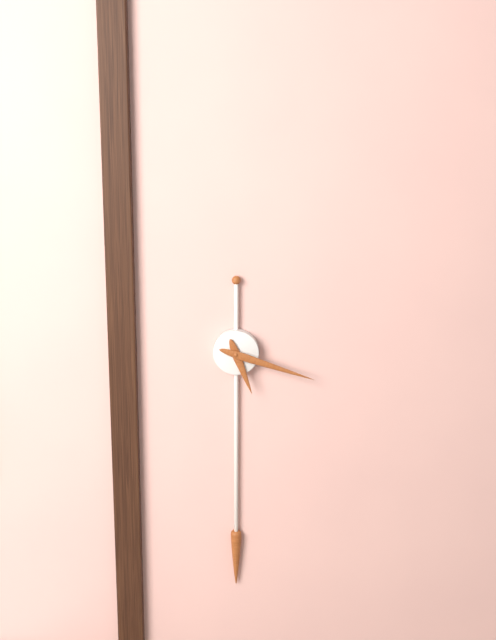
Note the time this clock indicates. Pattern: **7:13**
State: **5:18**
